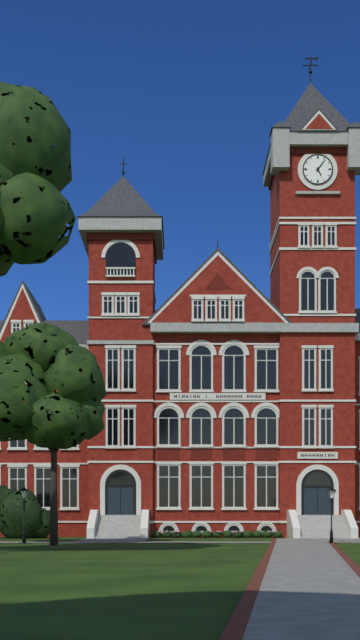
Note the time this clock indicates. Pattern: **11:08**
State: **5:06**
